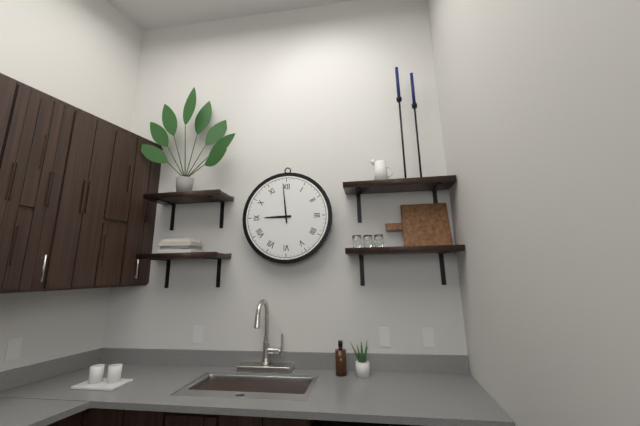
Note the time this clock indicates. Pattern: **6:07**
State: **8:59**
